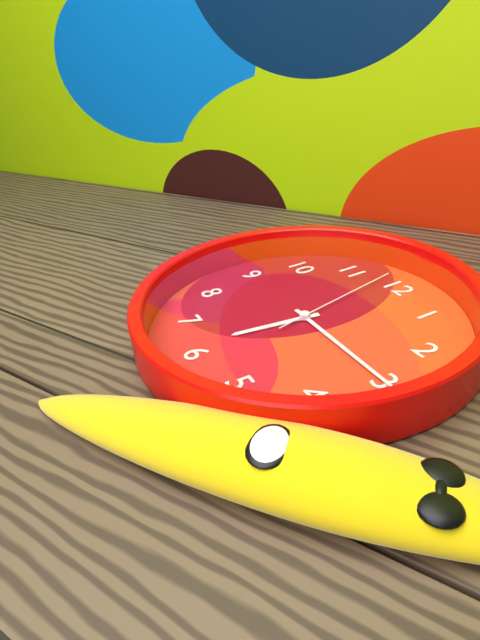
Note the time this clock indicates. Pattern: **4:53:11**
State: **6:15:58**
